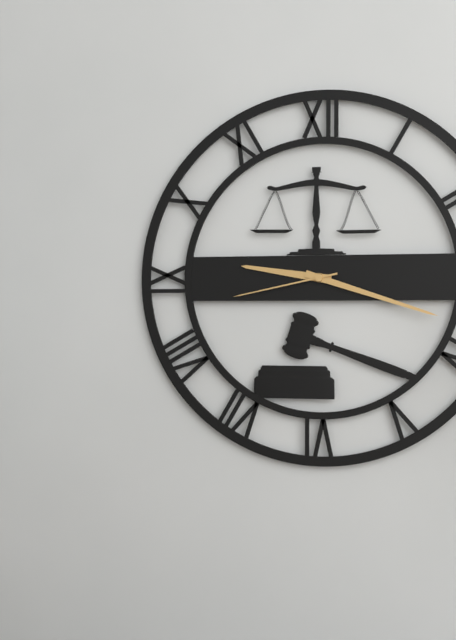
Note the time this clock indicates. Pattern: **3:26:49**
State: **9:18:43**
